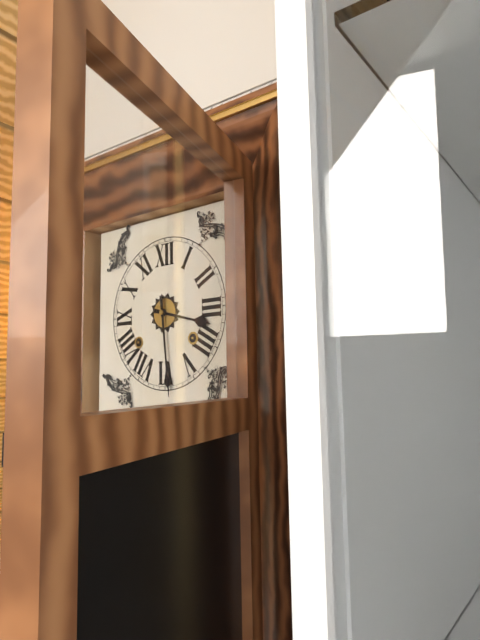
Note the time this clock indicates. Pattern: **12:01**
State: **3:29**
